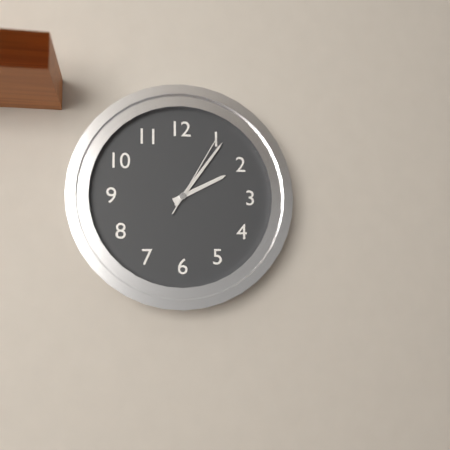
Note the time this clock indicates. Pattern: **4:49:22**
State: **2:06:05**
